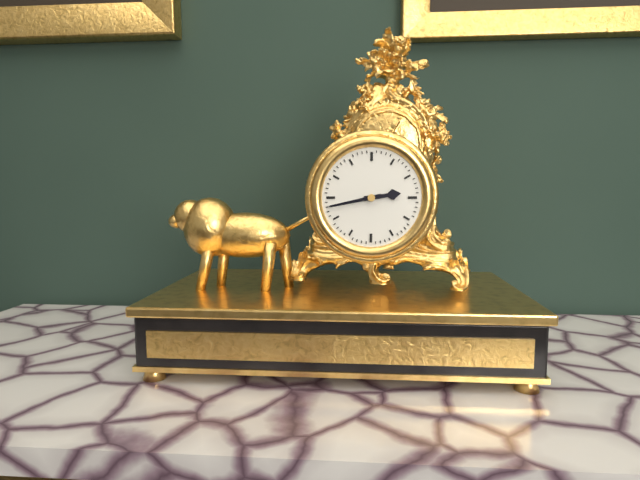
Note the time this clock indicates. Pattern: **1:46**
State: **2:43**
